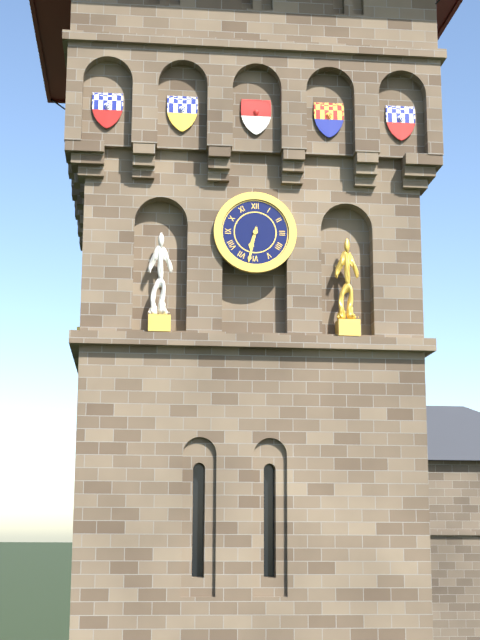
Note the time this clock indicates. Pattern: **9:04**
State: **6:32**
